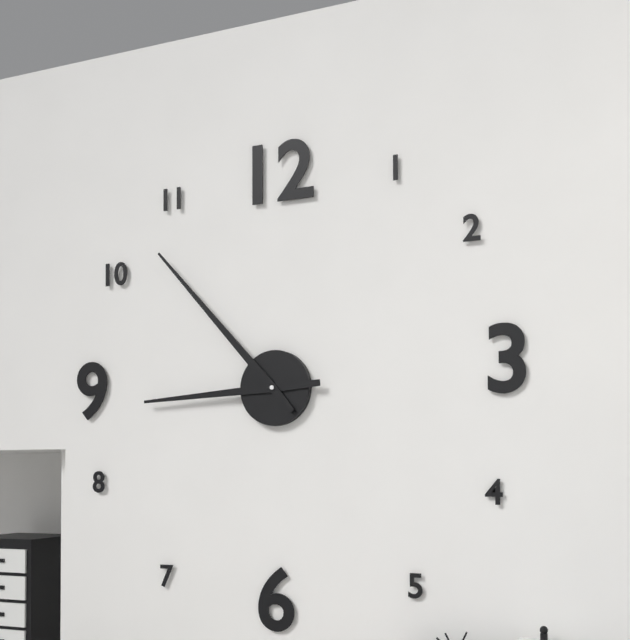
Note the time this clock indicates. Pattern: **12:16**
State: **8:53**
